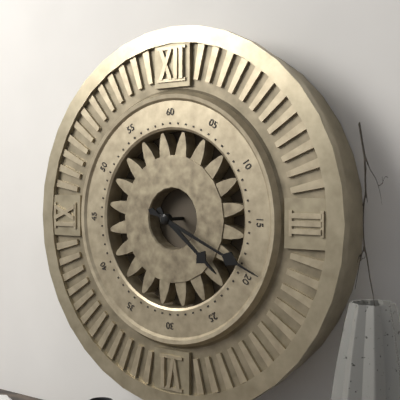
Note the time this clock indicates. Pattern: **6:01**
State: **4:19**
